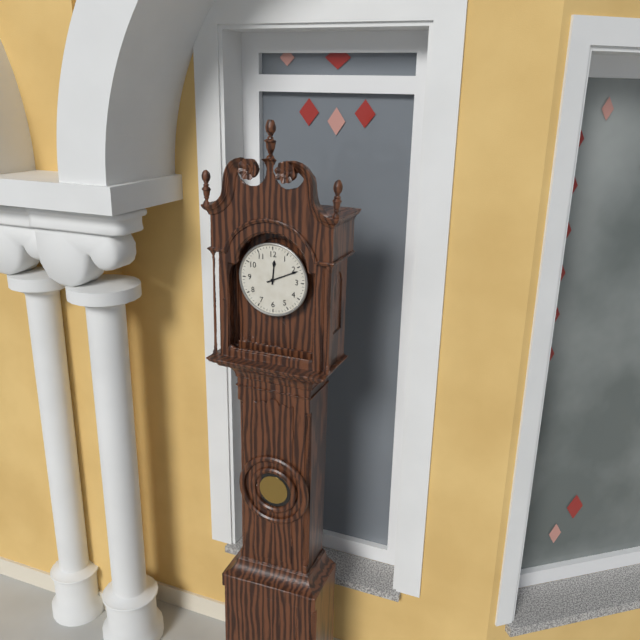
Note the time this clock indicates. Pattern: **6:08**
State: **12:11**
